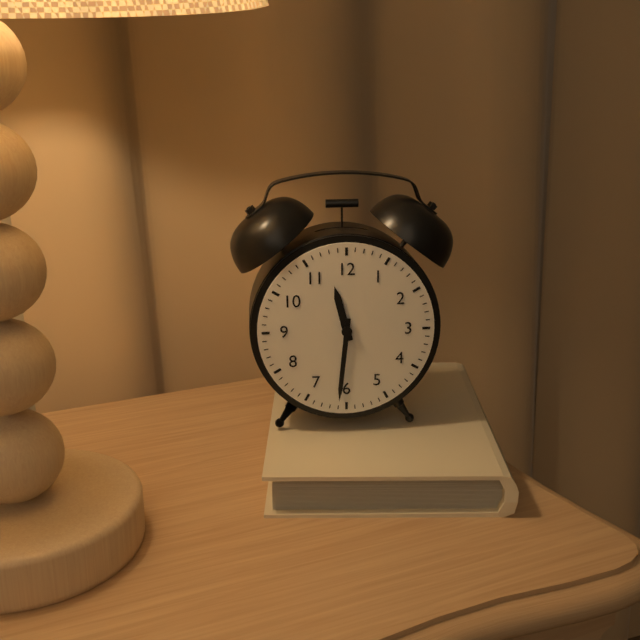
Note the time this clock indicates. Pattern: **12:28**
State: **11:31**
